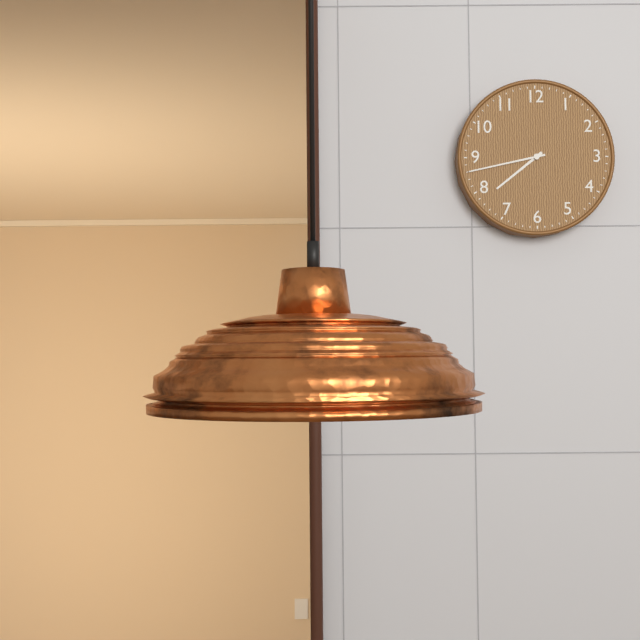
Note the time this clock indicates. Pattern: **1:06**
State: **7:43**
